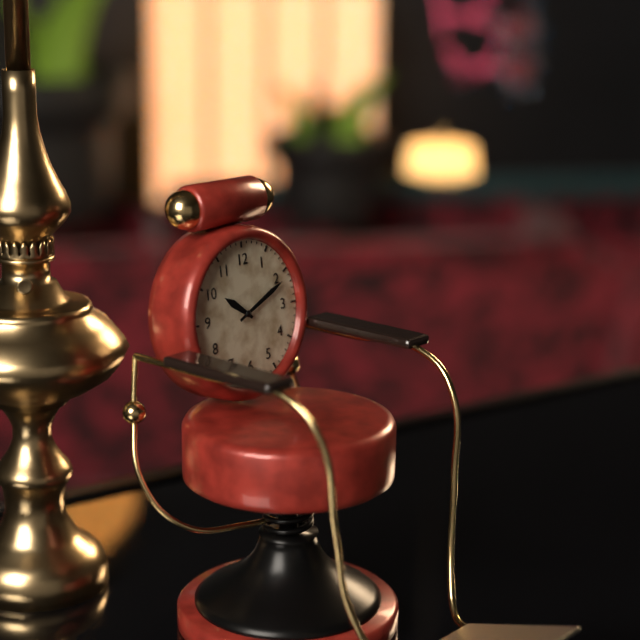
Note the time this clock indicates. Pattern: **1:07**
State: **10:11**
